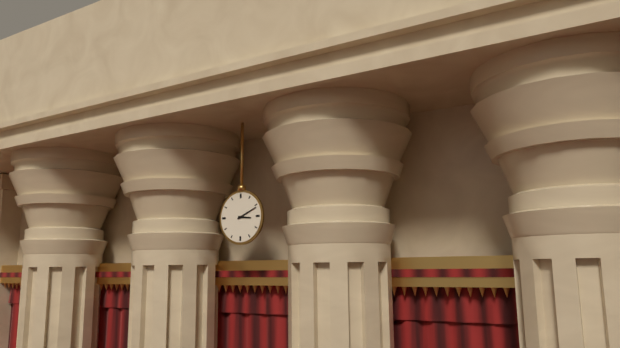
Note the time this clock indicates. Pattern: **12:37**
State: **3:11**
